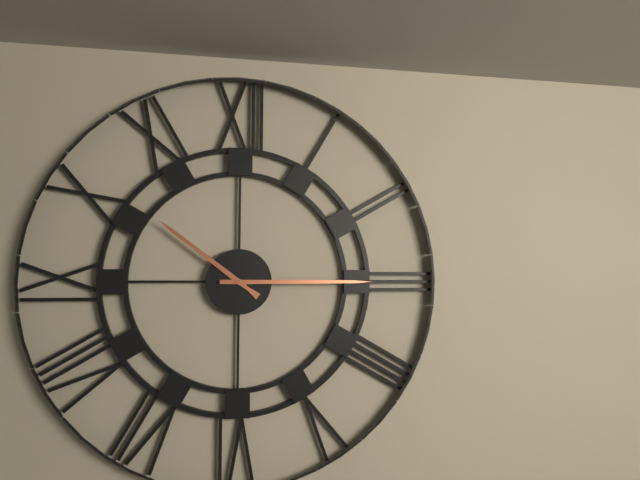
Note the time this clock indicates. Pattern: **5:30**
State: **10:15**
